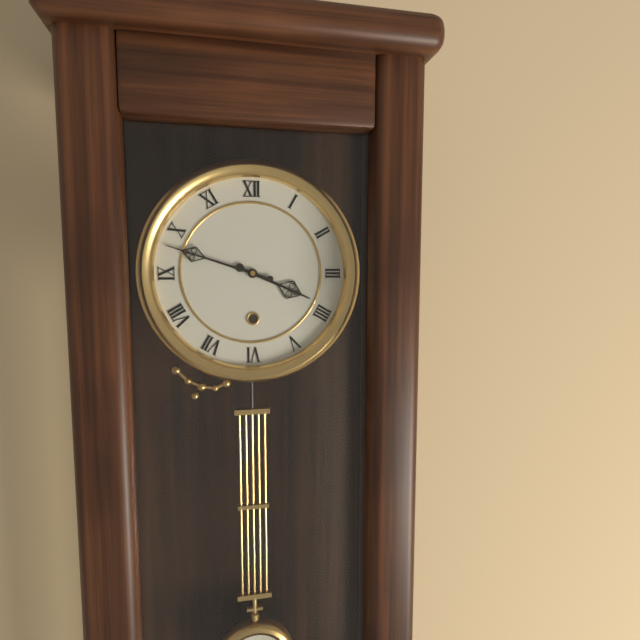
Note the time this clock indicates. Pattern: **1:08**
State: **3:48**
